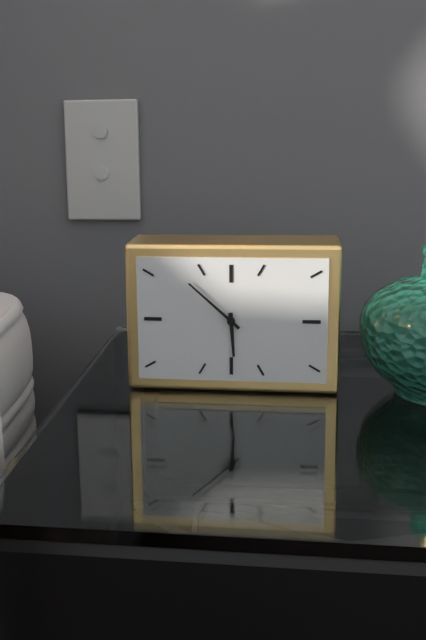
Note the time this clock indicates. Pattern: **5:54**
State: **5:52**
